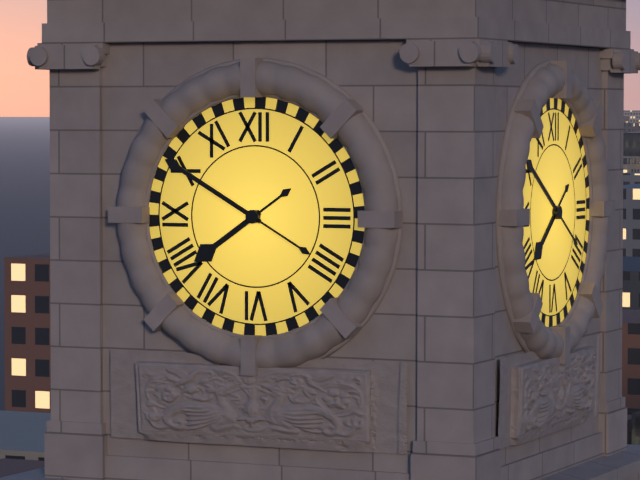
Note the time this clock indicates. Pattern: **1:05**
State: **7:50**
